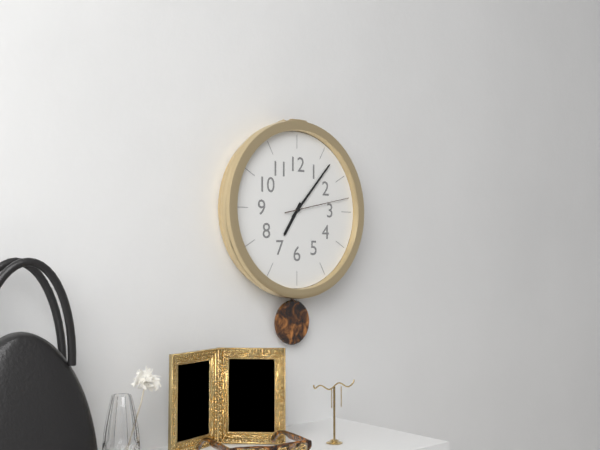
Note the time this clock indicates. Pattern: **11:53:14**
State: **7:07:13**
